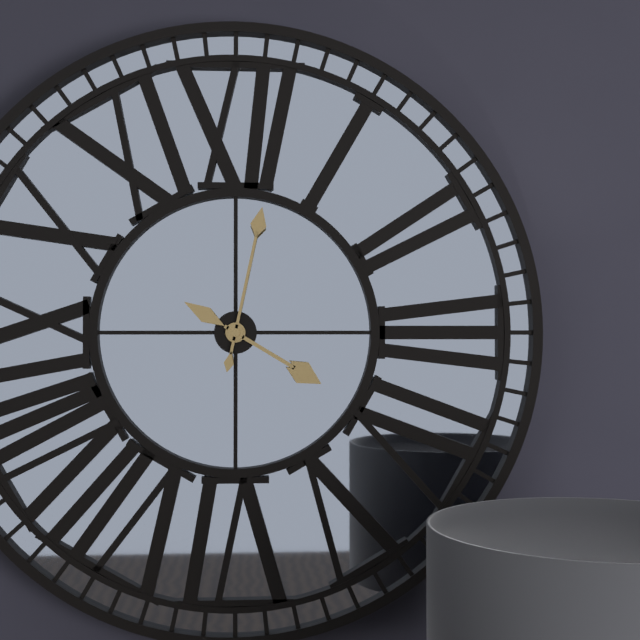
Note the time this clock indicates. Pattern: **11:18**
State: **4:02**
